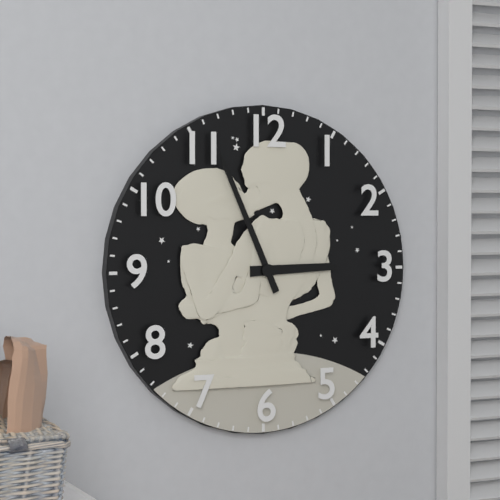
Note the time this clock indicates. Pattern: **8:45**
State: **2:56**
